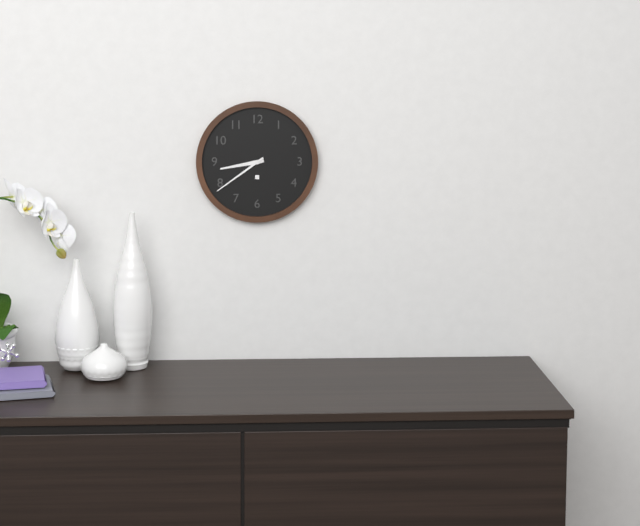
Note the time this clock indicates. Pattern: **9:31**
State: **8:39**
